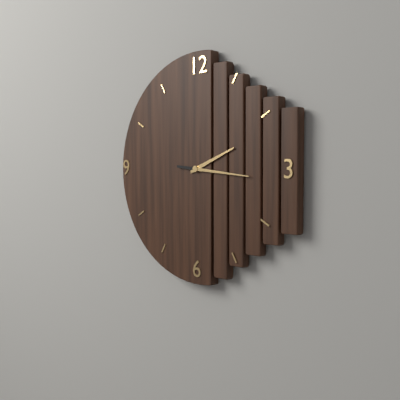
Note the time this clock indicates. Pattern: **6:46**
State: **2:16**
